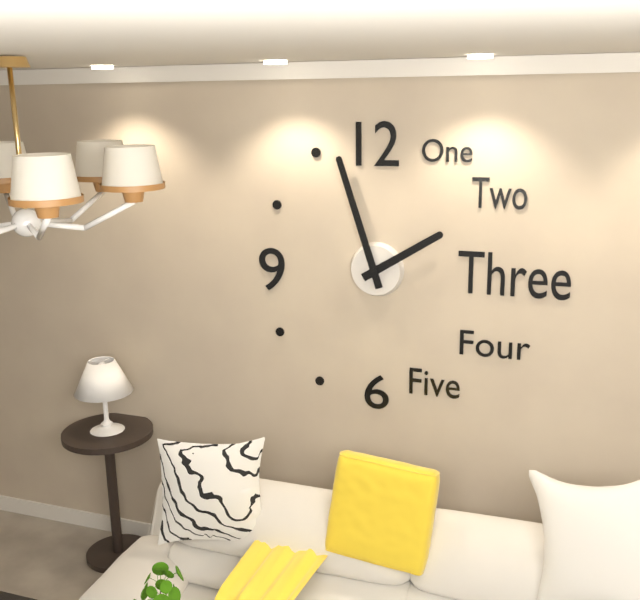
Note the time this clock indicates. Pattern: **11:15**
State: **1:57**
